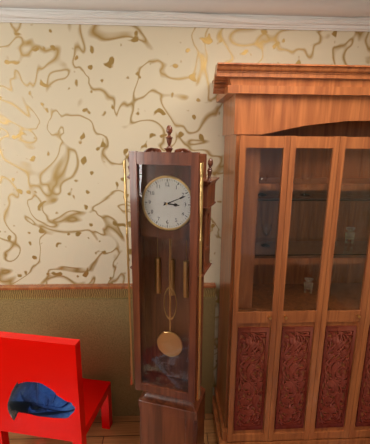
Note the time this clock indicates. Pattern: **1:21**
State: **3:11**
